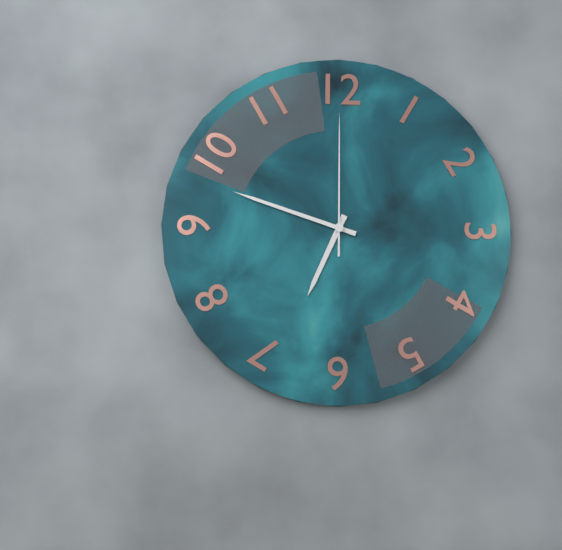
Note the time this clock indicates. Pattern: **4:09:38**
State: **6:48:00**
